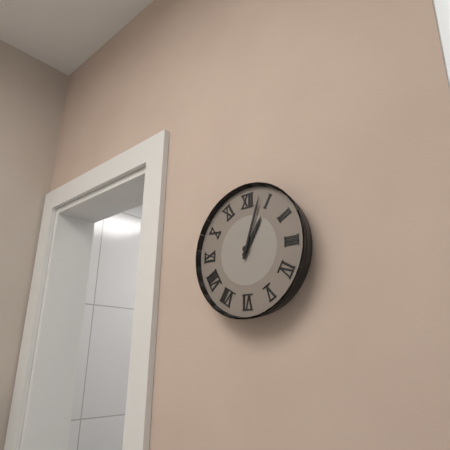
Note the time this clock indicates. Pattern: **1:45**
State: **1:03**
